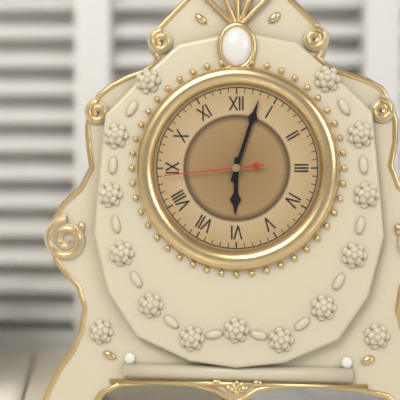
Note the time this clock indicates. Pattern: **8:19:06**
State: **6:03:44**
